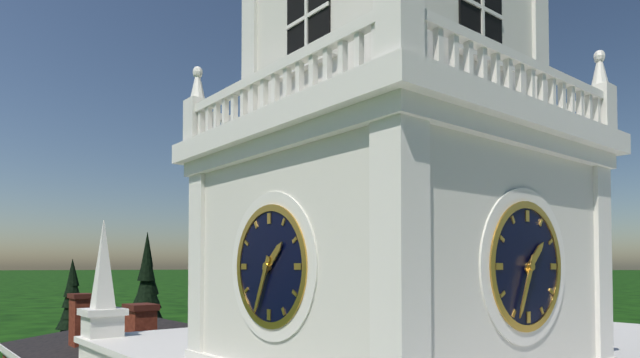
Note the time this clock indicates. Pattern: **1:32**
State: **1:34**
